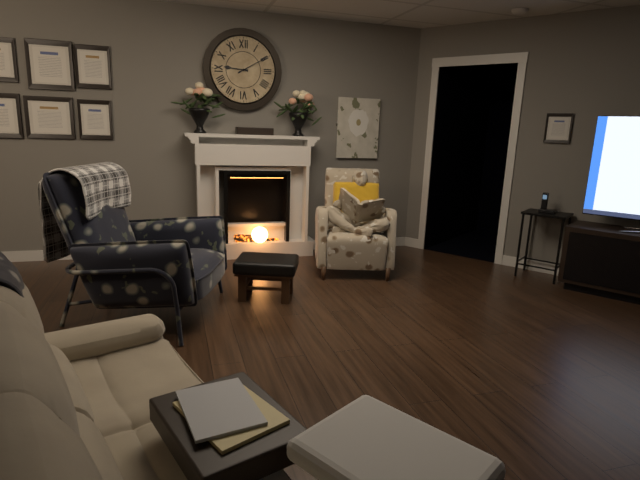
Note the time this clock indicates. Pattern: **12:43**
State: **9:10**
